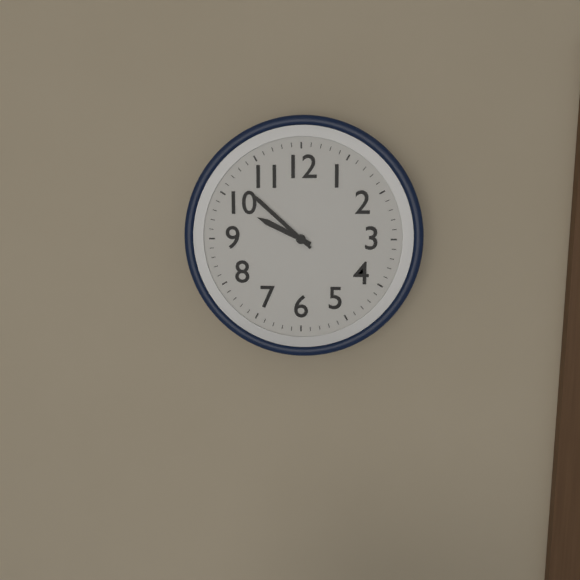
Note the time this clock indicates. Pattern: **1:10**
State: **9:52**
